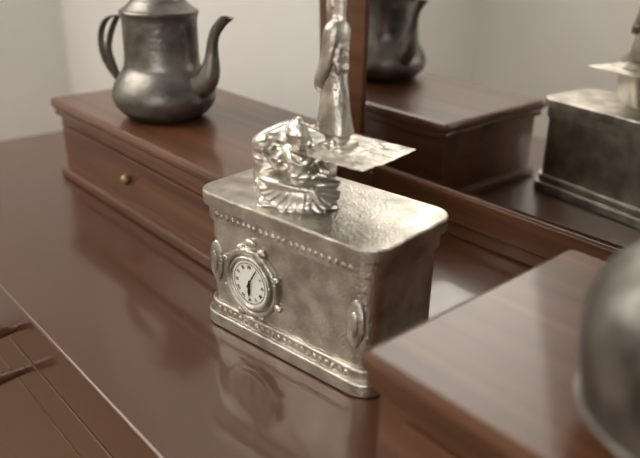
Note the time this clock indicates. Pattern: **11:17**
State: **6:05**
